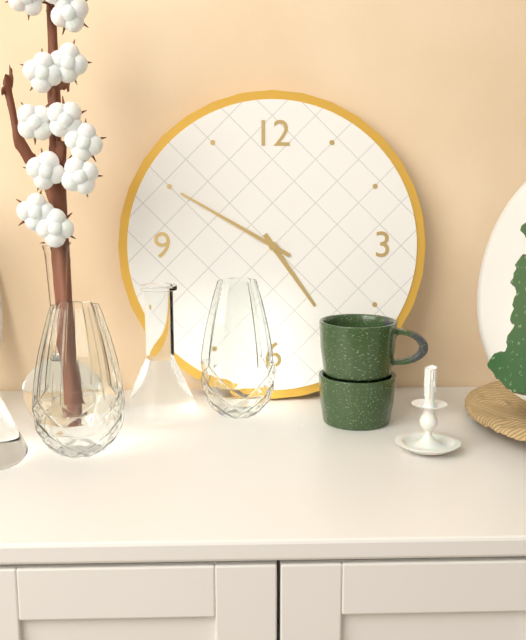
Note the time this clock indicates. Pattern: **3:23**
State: **4:50**
